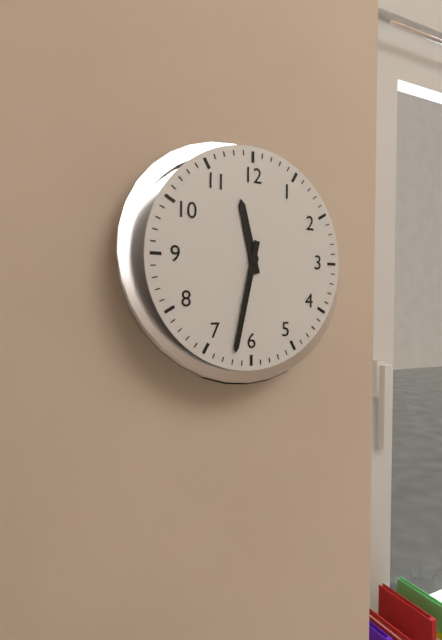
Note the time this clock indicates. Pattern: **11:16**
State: **11:32**
